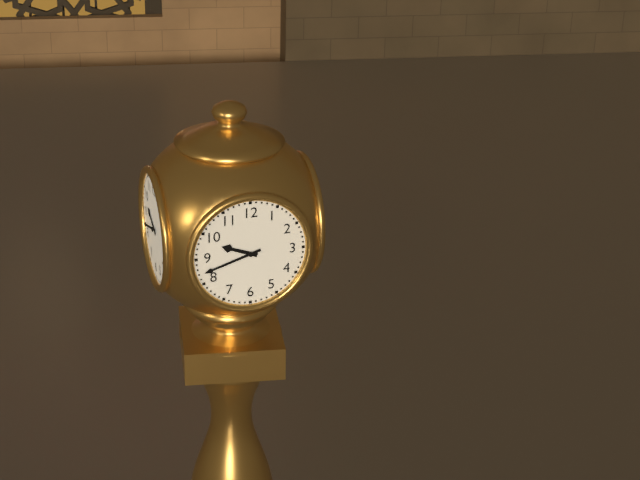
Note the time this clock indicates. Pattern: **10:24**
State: **9:42**
